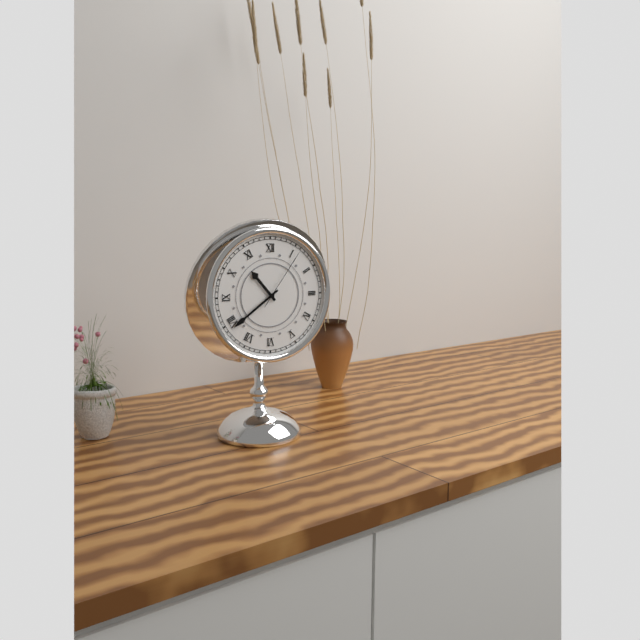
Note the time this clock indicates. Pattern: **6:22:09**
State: **10:39:06**
